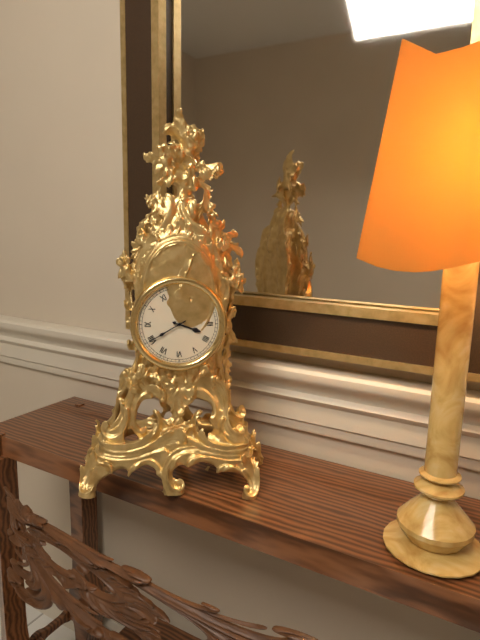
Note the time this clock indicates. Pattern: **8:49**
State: **3:40**
